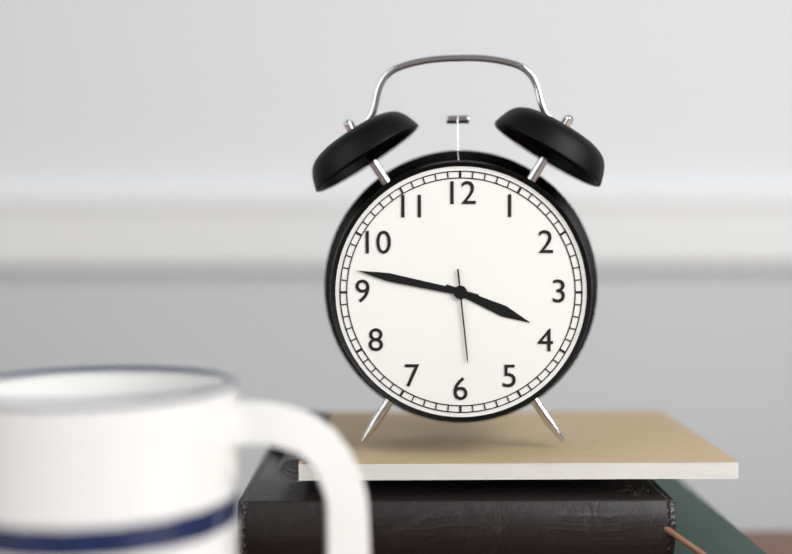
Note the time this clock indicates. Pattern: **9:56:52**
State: **3:47:29**
